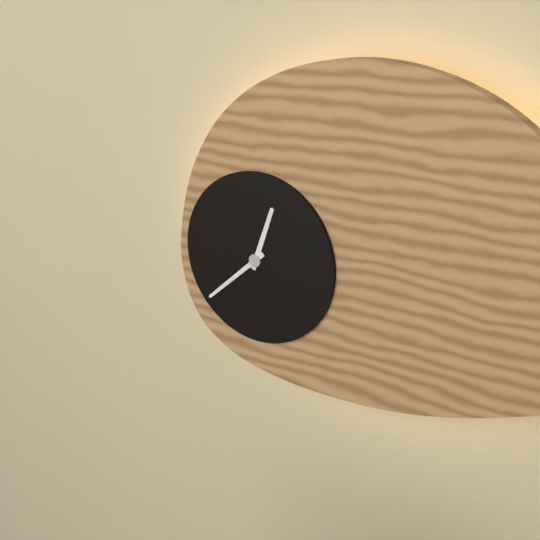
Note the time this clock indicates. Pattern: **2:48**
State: **12:38**
